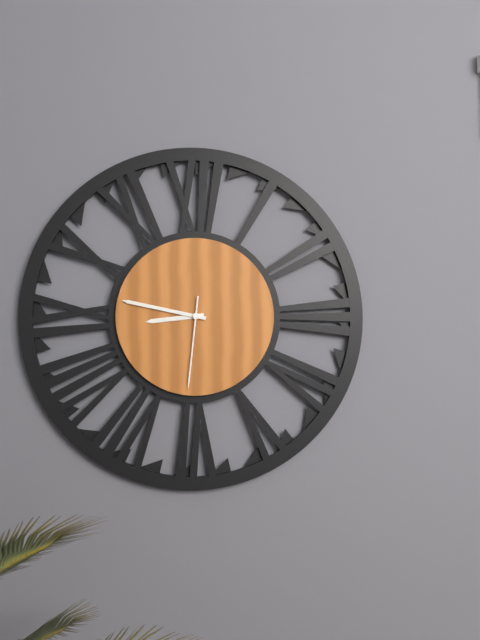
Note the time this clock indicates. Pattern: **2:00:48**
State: **8:47:31**
